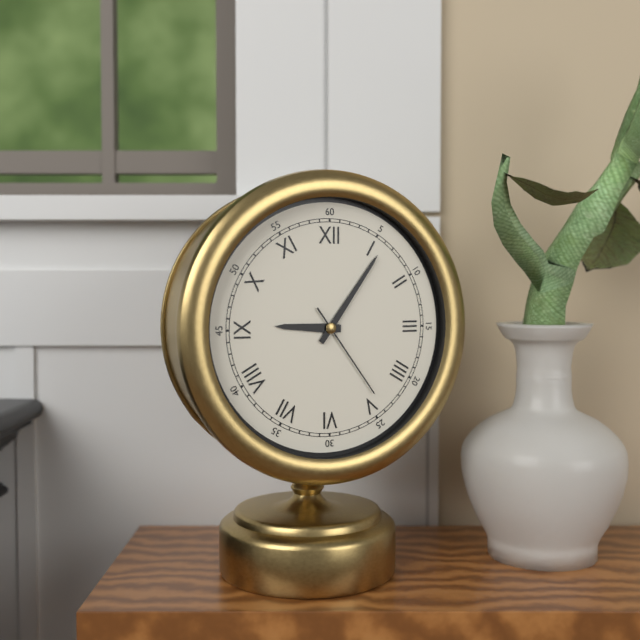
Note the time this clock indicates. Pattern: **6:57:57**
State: **9:06:24**
